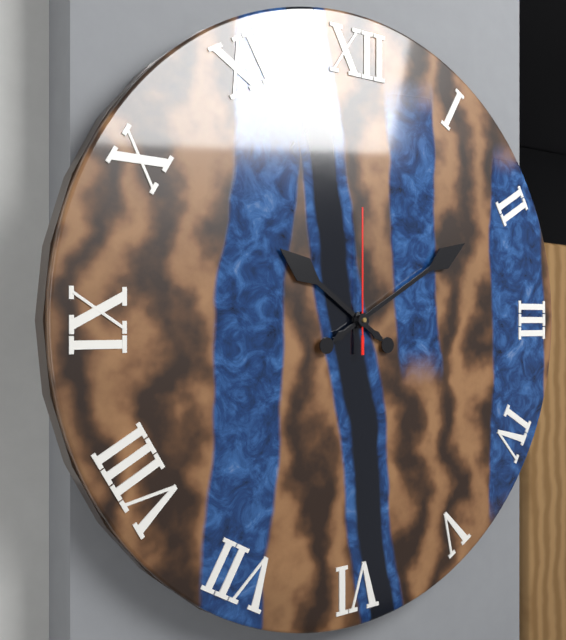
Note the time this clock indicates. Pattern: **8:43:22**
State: **10:10:00**
